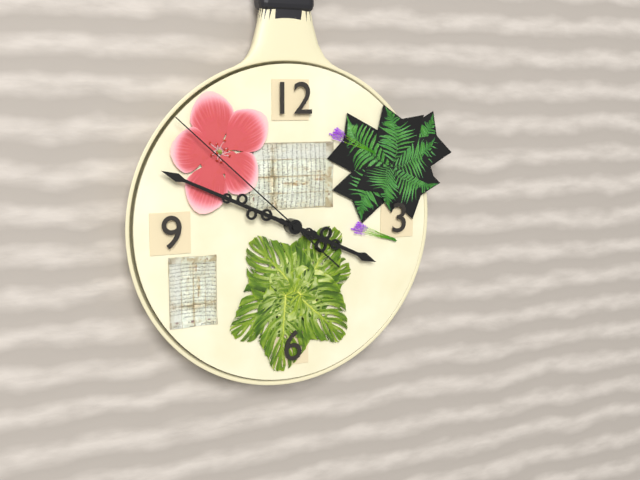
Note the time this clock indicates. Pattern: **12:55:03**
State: **3:49:52**
